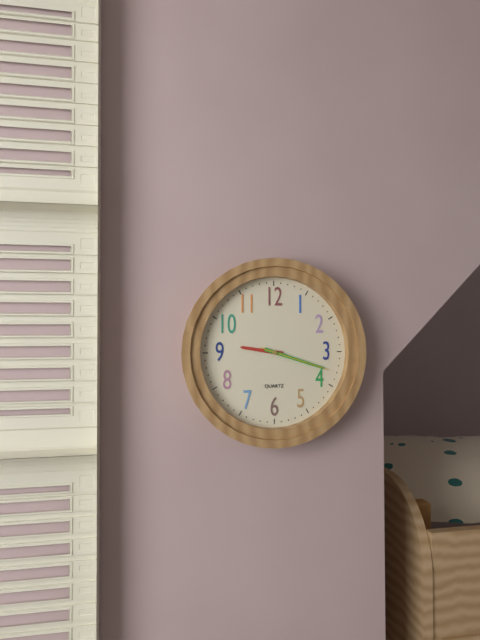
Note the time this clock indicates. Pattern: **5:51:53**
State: **9:18:18**
